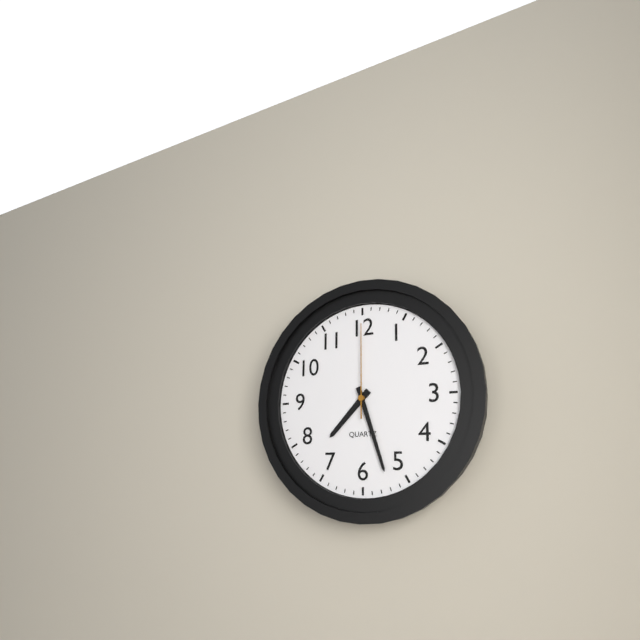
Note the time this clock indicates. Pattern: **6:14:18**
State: **7:27:00**
